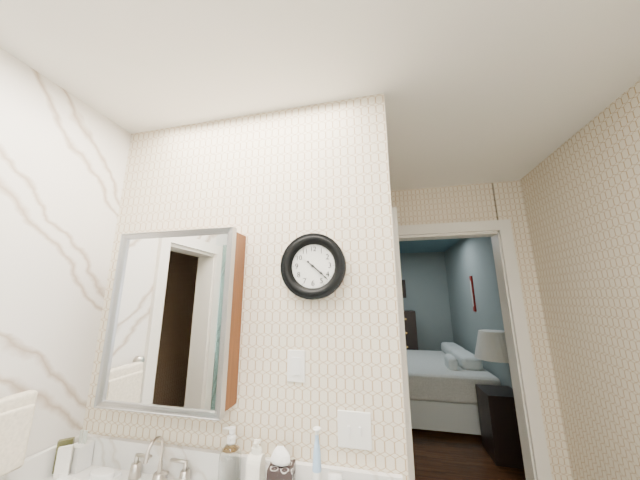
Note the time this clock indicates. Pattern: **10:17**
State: **4:22**
